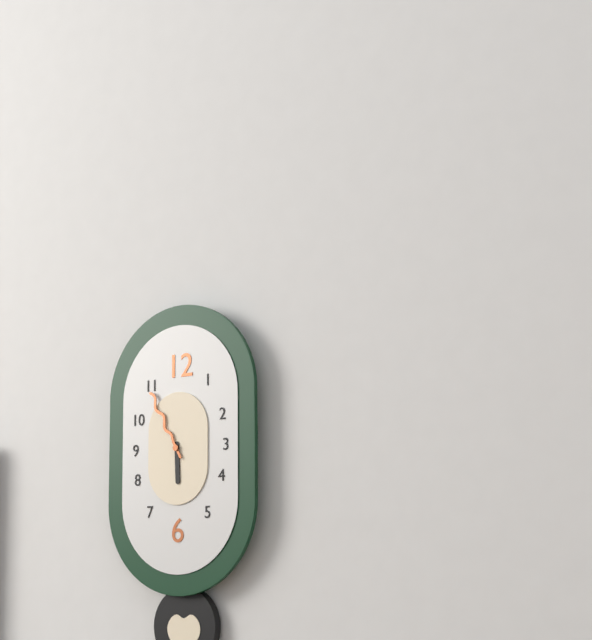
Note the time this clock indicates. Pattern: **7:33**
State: **5:55**
